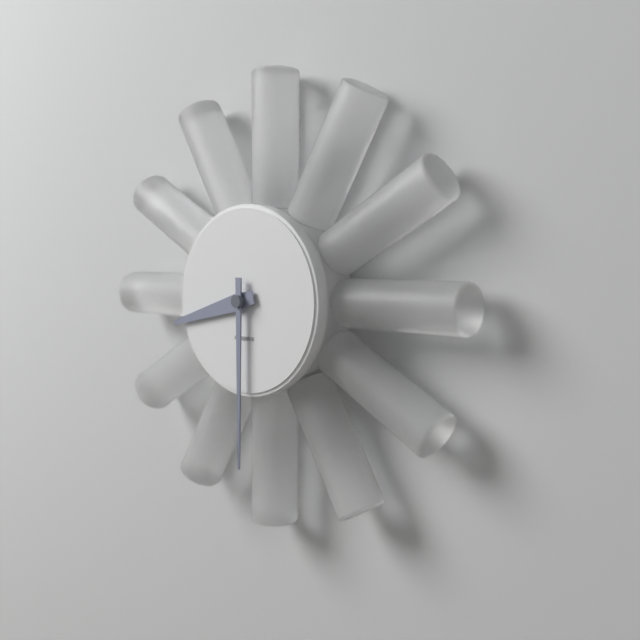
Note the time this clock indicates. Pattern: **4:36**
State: **8:30**
